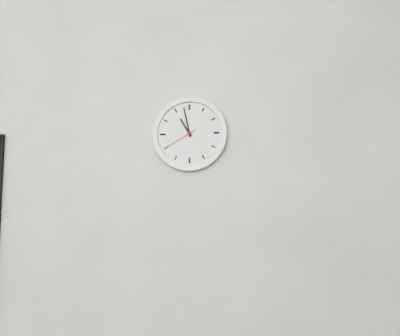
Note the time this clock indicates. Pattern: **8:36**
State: **10:58**
